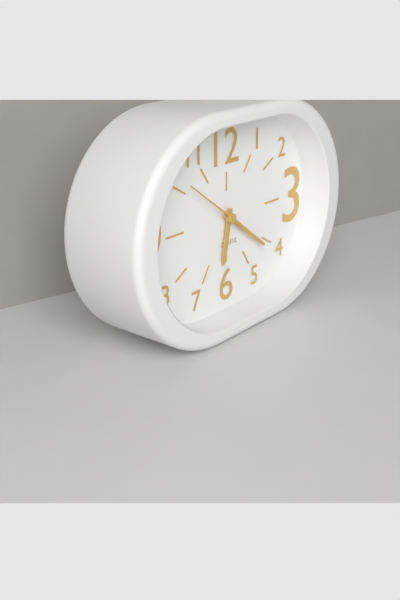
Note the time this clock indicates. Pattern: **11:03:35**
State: **6:21:51**
